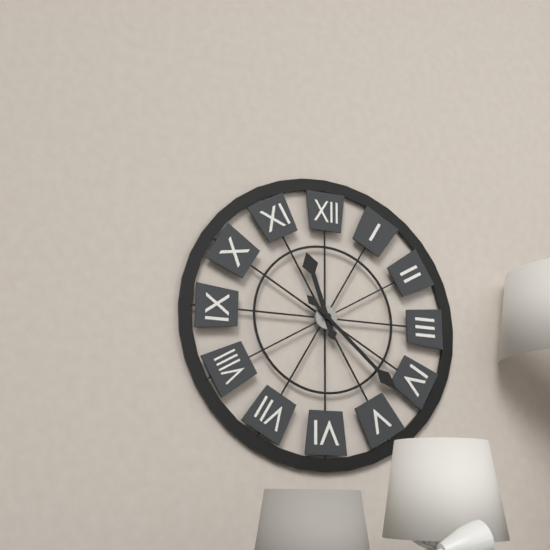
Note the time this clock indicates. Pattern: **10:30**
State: **11:22**
